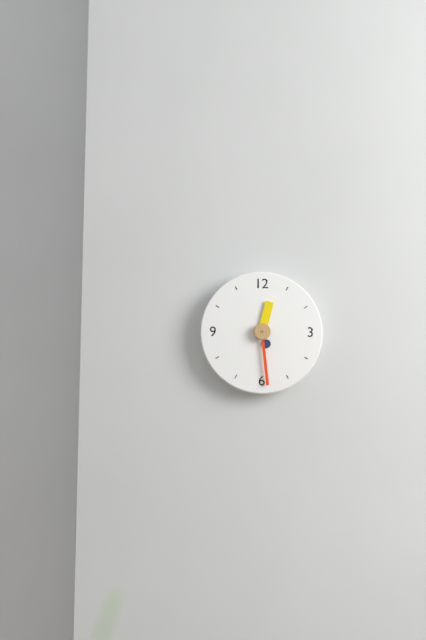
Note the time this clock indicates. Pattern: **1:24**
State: **12:29**
